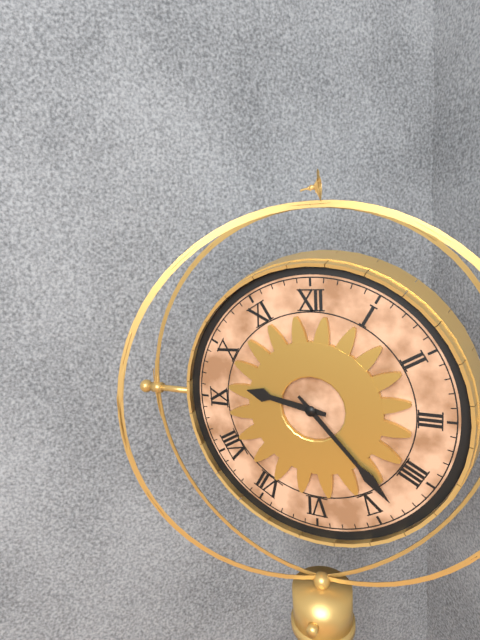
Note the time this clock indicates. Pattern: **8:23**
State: **9:23**
